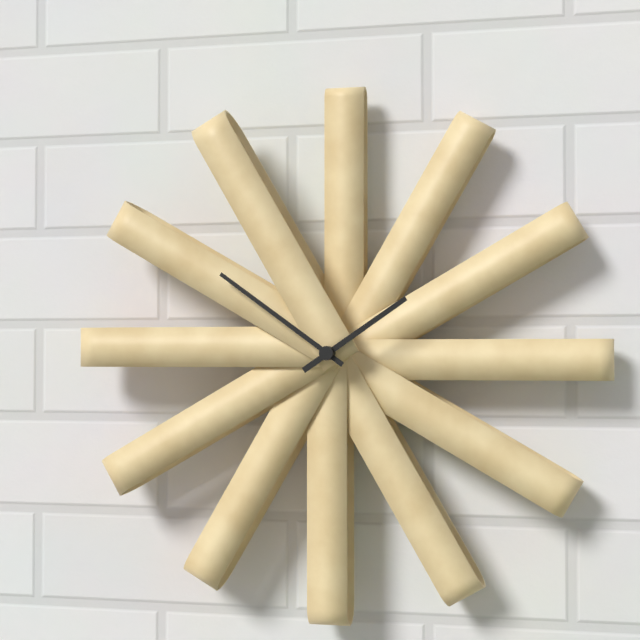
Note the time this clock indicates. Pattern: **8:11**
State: **1:51**
